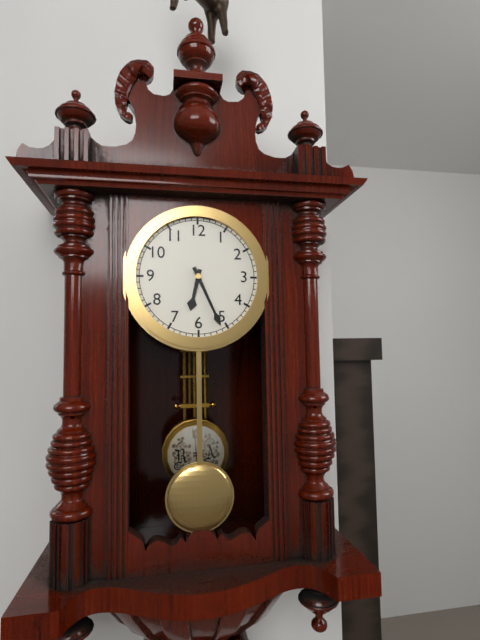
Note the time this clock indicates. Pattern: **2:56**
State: **6:26**
